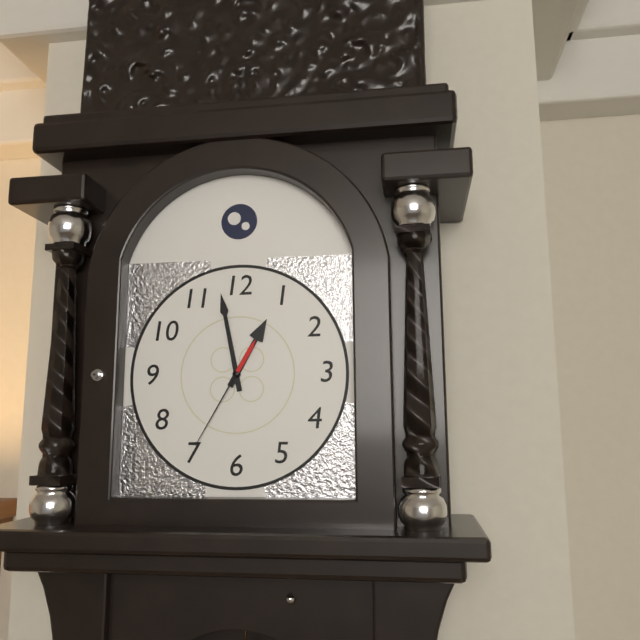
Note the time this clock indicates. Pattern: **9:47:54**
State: **12:58:35**
